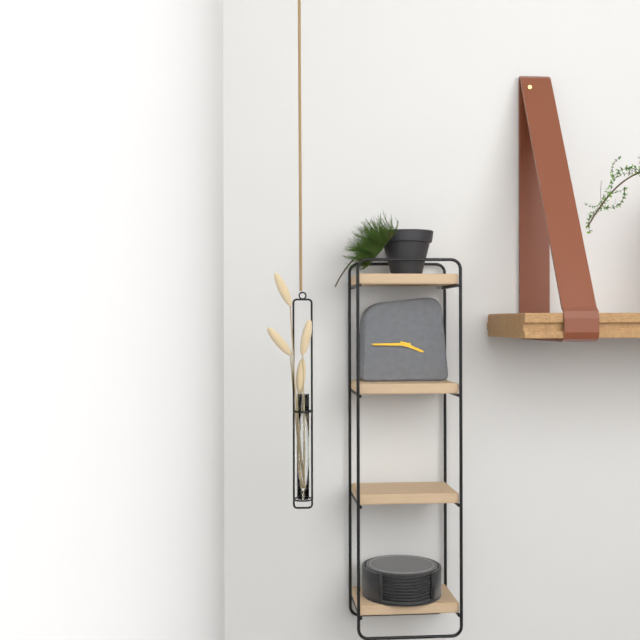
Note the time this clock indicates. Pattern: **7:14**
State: **3:45**
